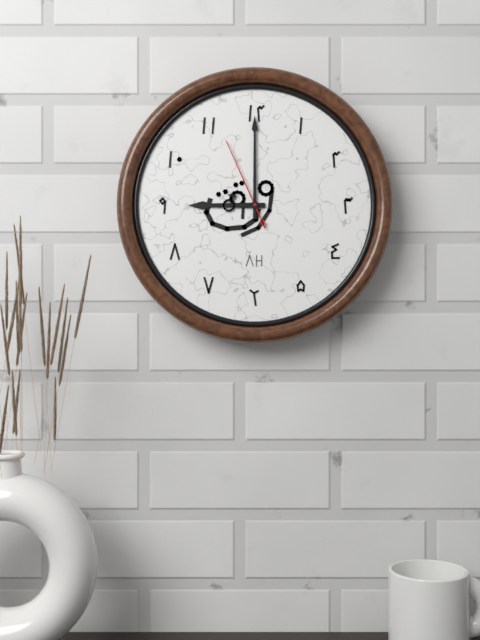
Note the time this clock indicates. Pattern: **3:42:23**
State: **9:00:56**
